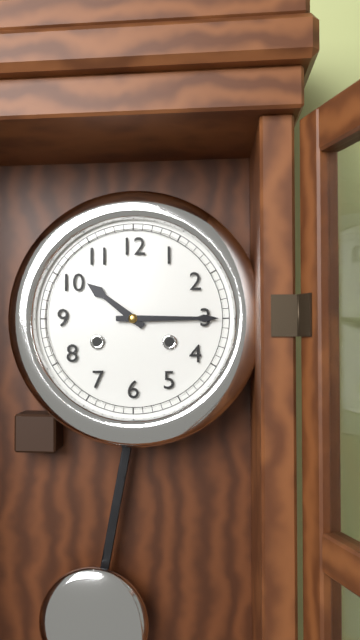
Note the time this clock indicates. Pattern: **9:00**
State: **10:15**
